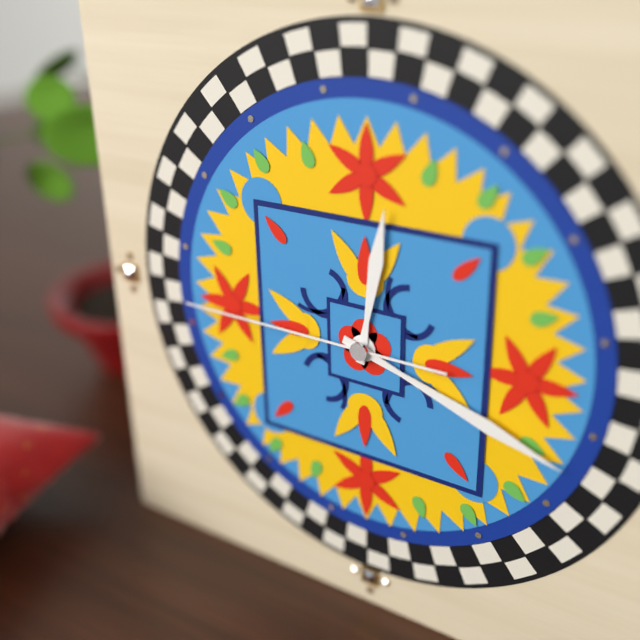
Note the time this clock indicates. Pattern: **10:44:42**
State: **12:18:45**
